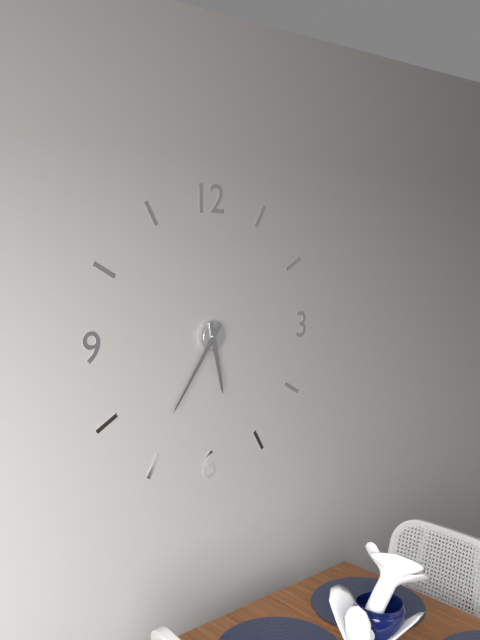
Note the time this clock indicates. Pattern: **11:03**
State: **5:36**
